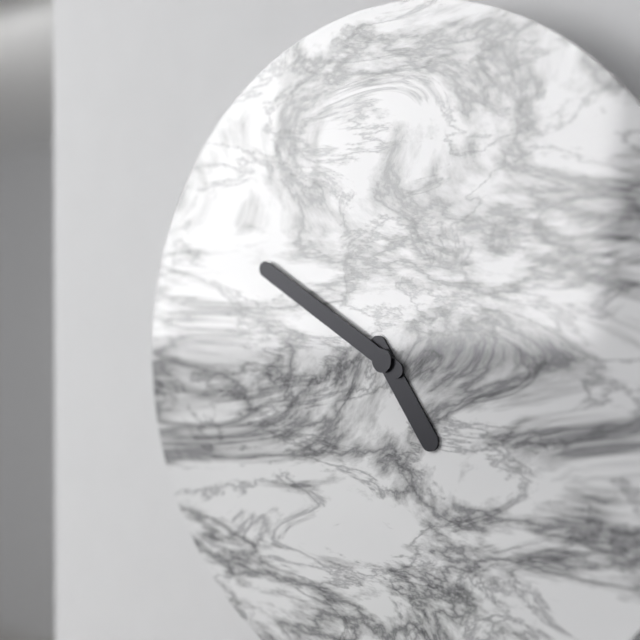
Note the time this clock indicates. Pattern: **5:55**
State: **4:50**
